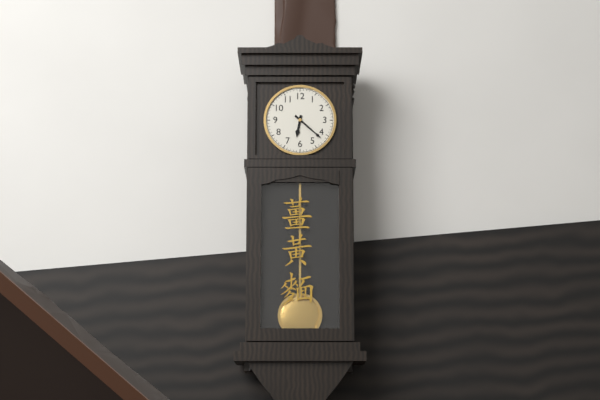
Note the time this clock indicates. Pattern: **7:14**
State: **6:22**
